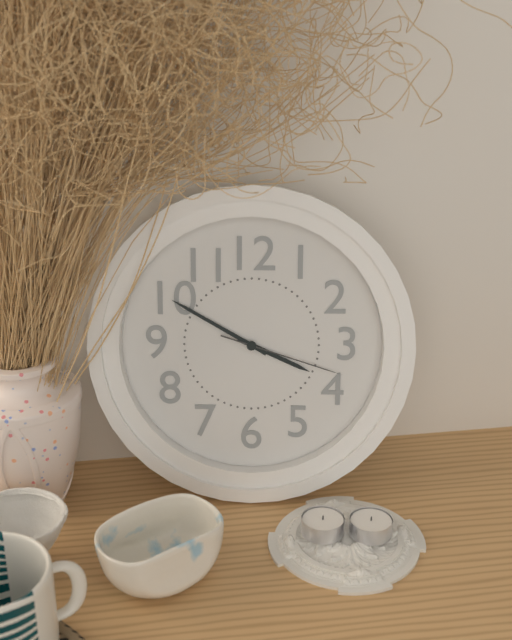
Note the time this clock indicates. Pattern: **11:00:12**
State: **3:50:18**
